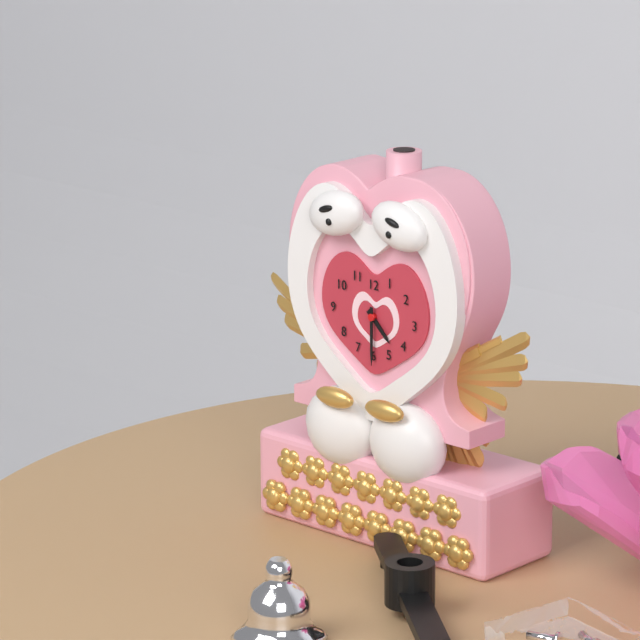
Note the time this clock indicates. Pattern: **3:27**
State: **4:30**
